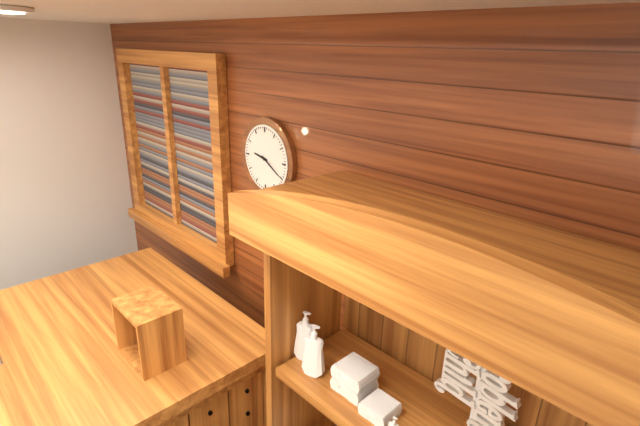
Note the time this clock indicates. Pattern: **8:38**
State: **9:20**
